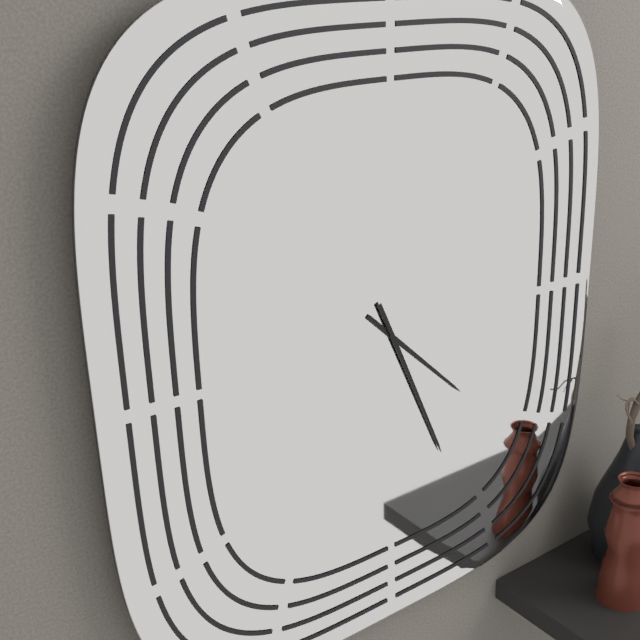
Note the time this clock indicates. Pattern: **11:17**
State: **4:26**
